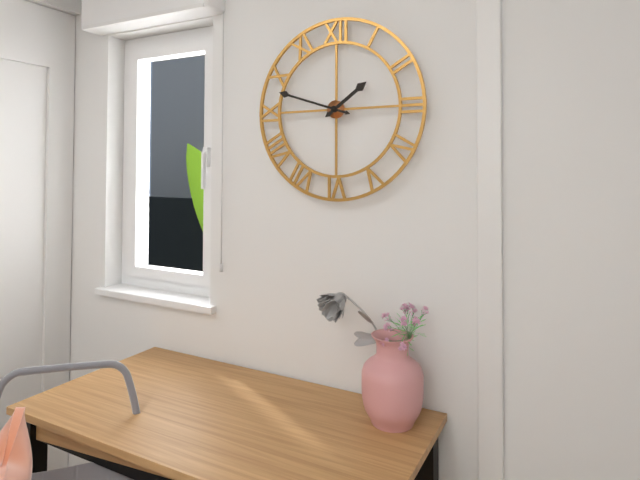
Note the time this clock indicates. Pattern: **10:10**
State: **1:48**
